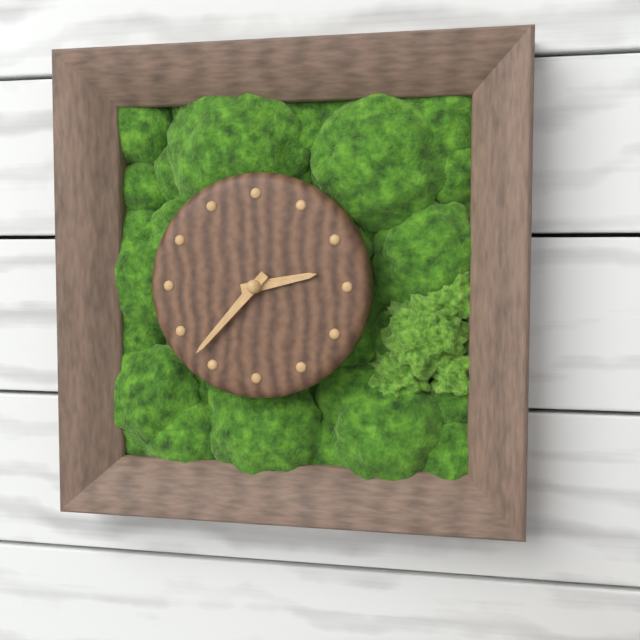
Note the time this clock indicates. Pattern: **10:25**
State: **2:37**
